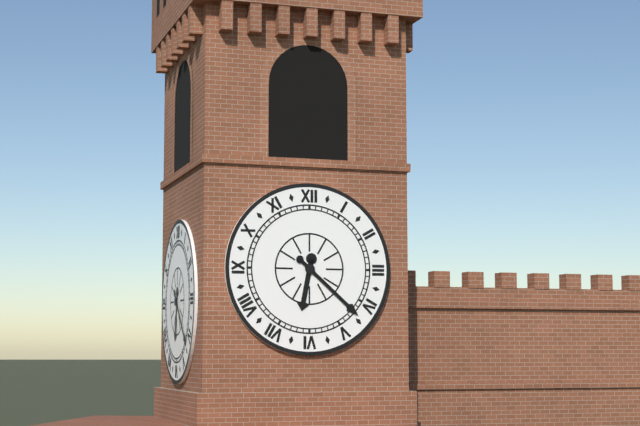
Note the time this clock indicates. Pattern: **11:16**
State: **6:22**
